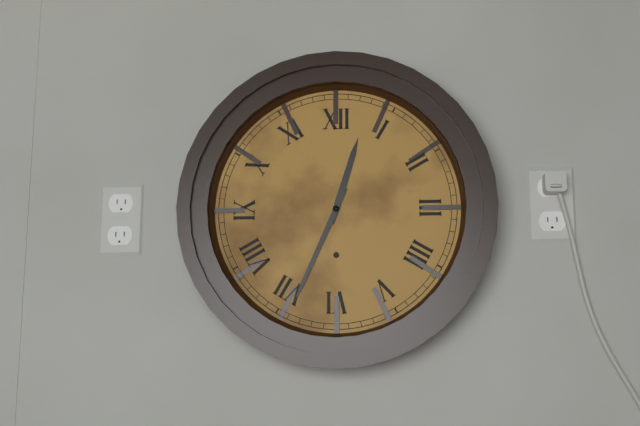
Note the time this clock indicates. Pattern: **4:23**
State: **12:34**
